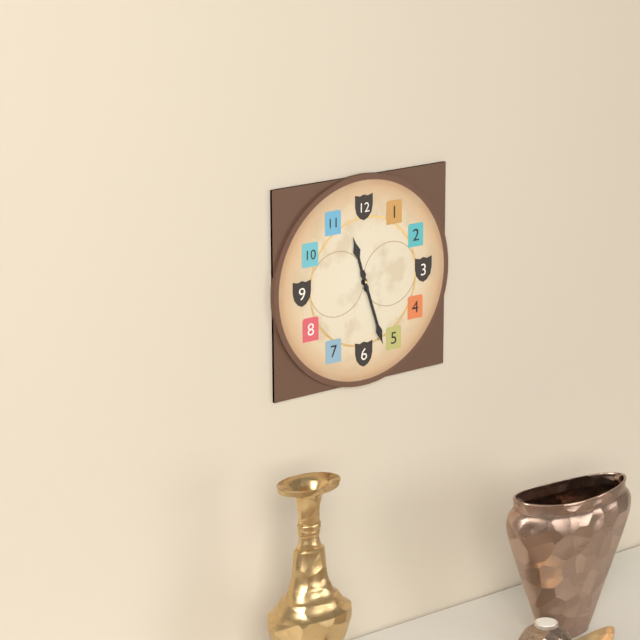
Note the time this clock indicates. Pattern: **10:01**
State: **11:27**
